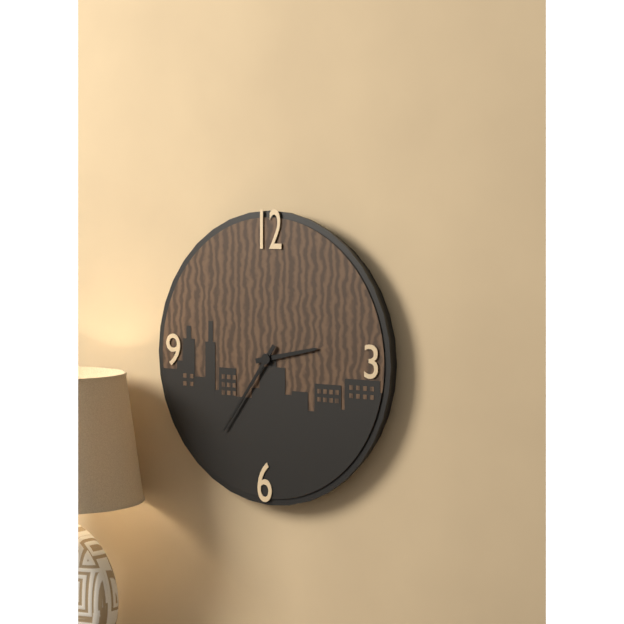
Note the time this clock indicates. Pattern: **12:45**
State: **2:36**
